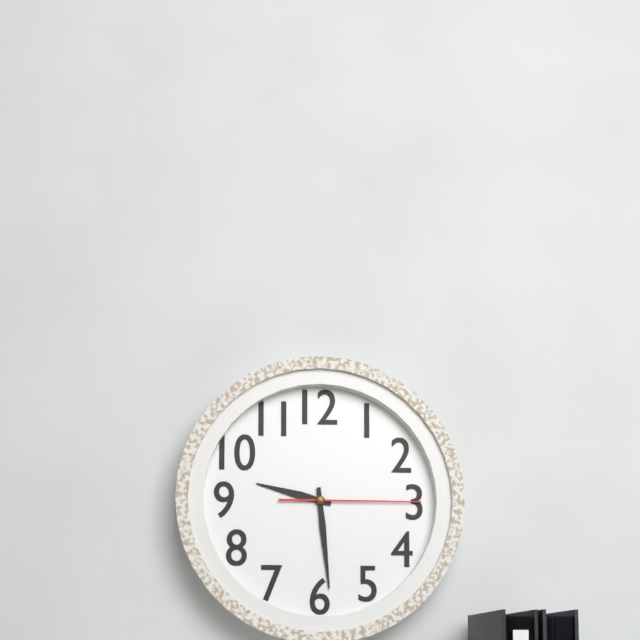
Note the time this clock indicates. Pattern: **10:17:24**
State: **9:29:15**
